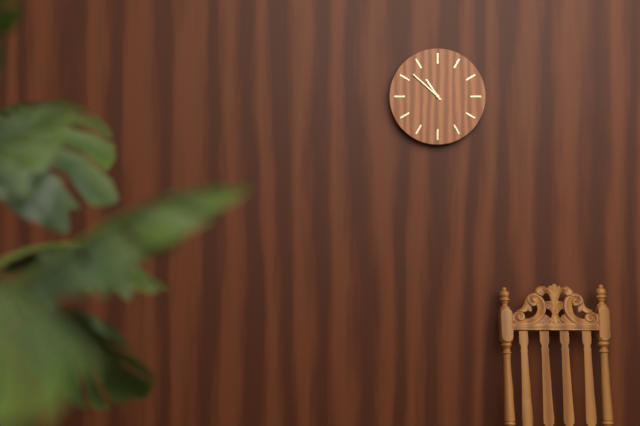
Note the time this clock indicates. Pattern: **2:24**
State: **10:52**
